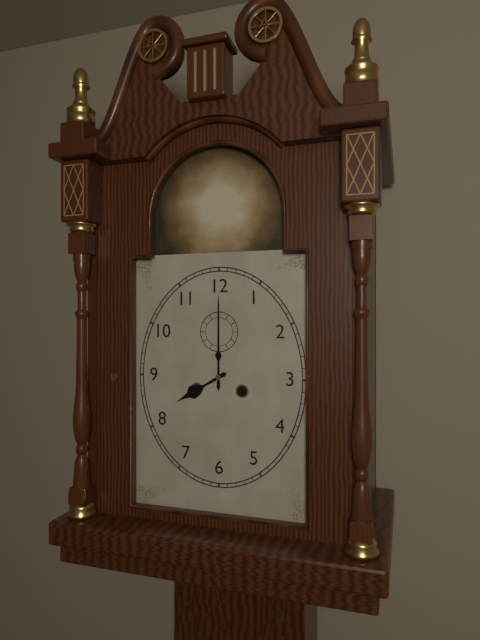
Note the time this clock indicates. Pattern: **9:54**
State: **8:00**
